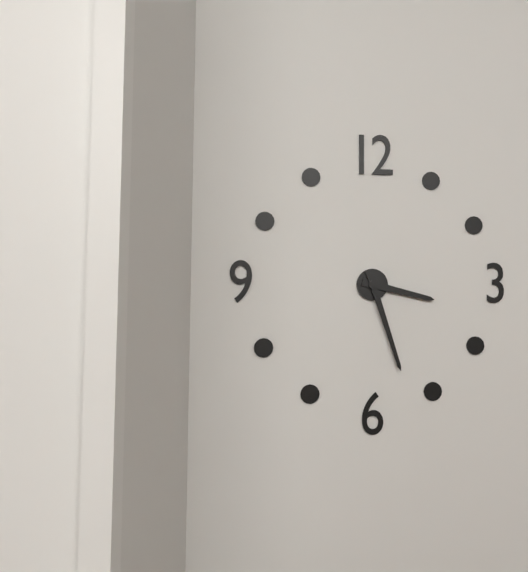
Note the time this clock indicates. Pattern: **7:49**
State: **3:27**
